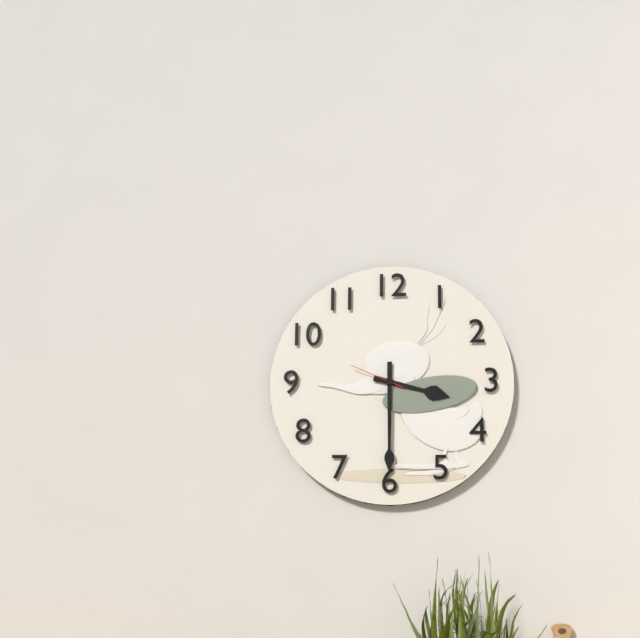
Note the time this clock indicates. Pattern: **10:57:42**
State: **3:30:49**
